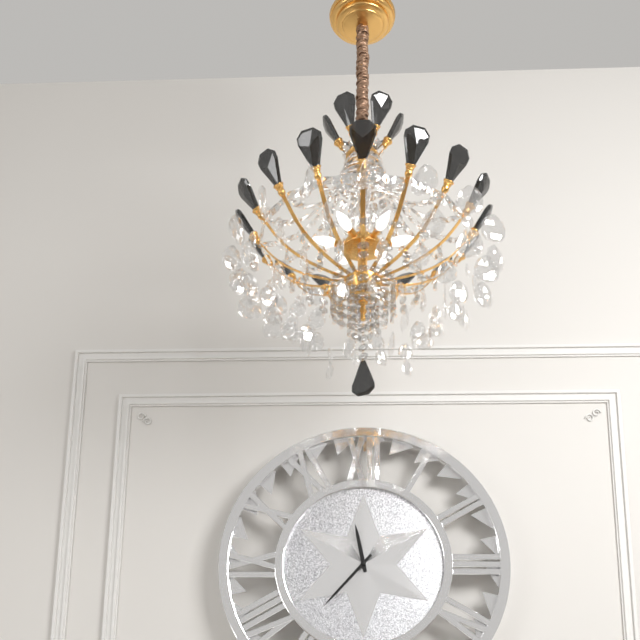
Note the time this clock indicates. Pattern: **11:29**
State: **11:37**
